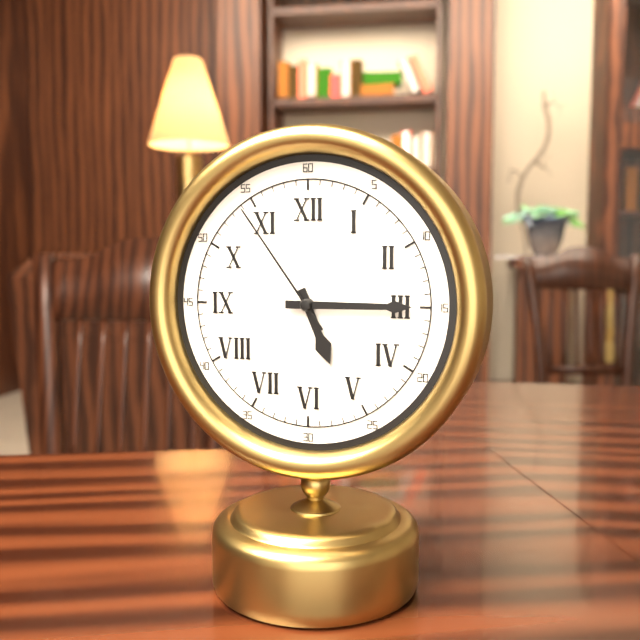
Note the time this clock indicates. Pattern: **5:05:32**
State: **5:15:54**
